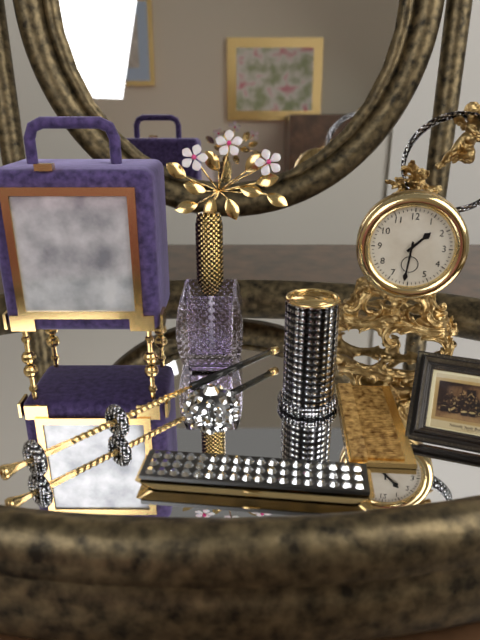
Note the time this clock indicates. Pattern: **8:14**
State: **1:31**
